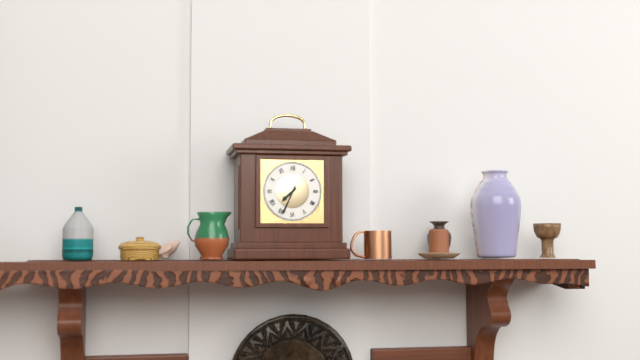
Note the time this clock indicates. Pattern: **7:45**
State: **7:34**
